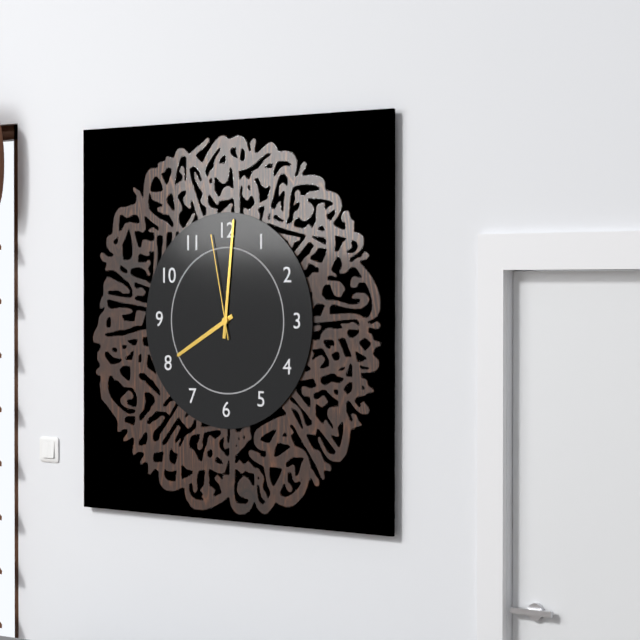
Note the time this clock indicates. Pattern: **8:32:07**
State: **8:01:58**
